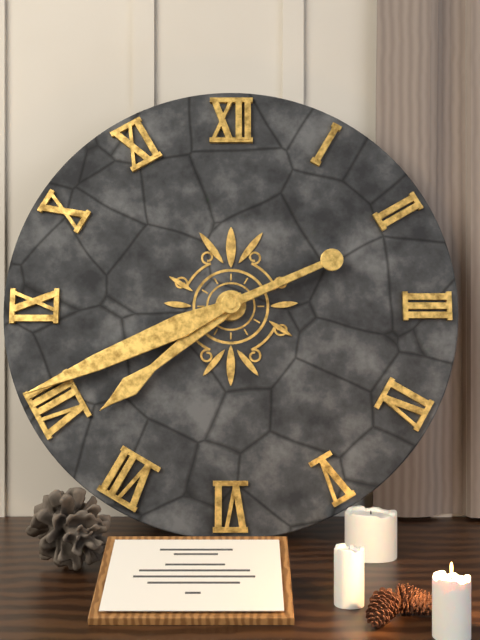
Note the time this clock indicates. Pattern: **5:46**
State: **7:41**
